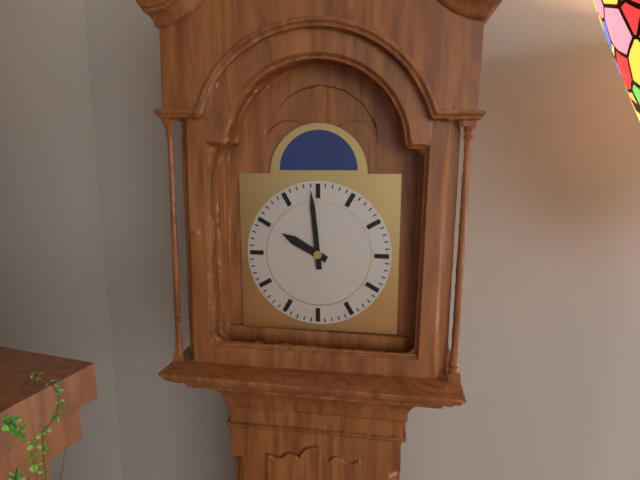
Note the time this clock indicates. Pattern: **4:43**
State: **9:59**
